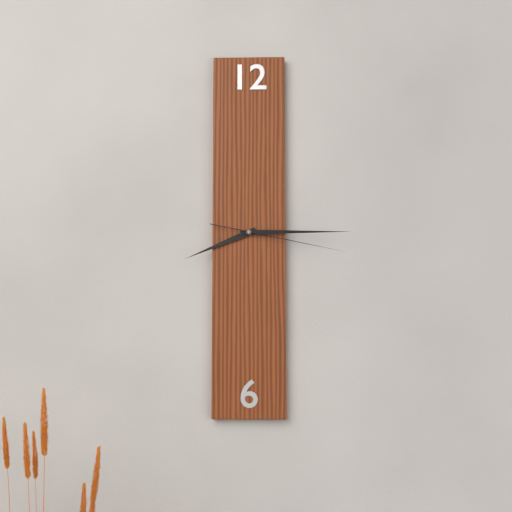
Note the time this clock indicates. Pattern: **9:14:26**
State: **8:15:17**
